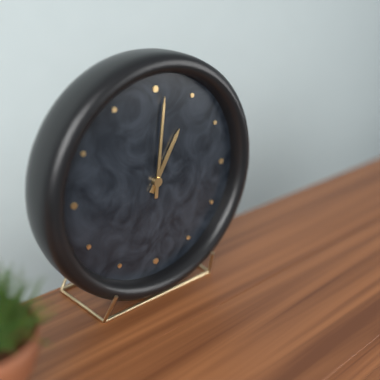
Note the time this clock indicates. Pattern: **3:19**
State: **1:01**
